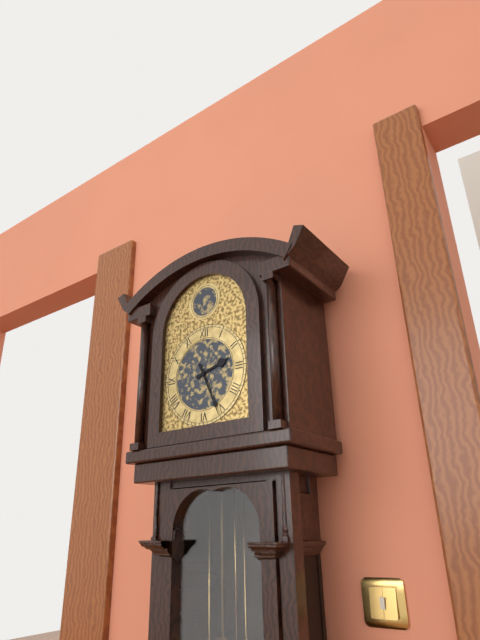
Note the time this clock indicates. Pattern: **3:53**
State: **2:26**
